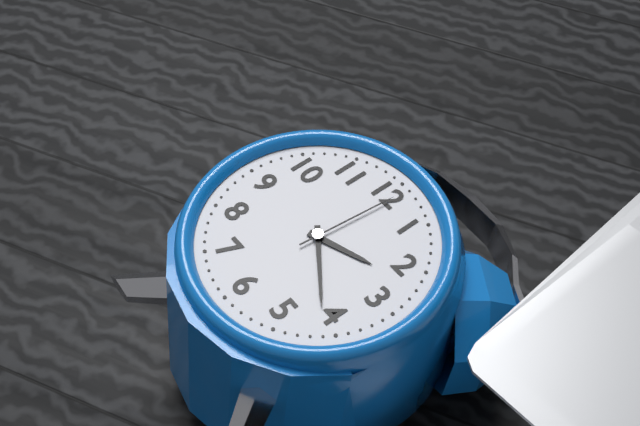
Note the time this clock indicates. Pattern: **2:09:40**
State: **2:21:01**
